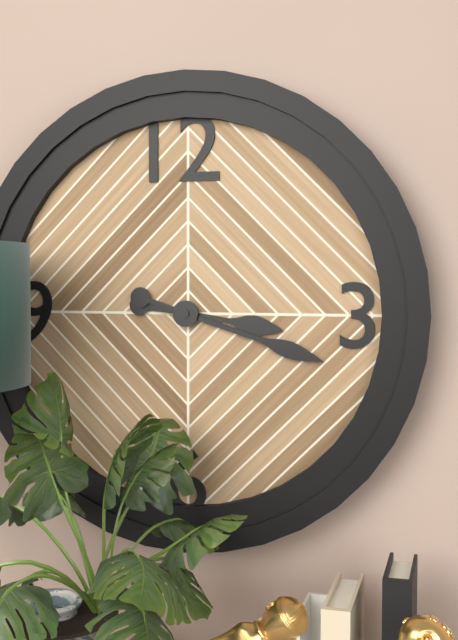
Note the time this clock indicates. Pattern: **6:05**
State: **3:18**
